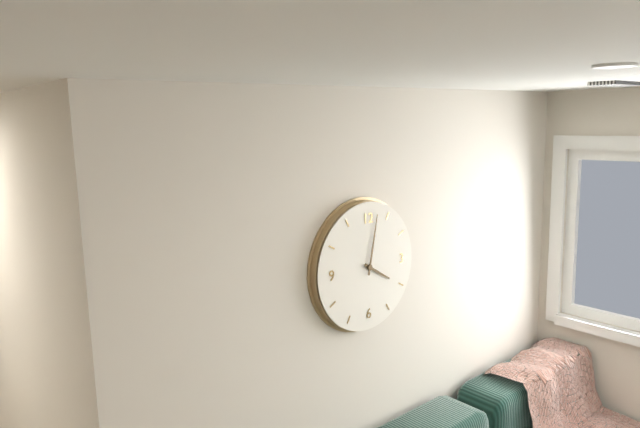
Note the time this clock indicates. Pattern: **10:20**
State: **4:02**
